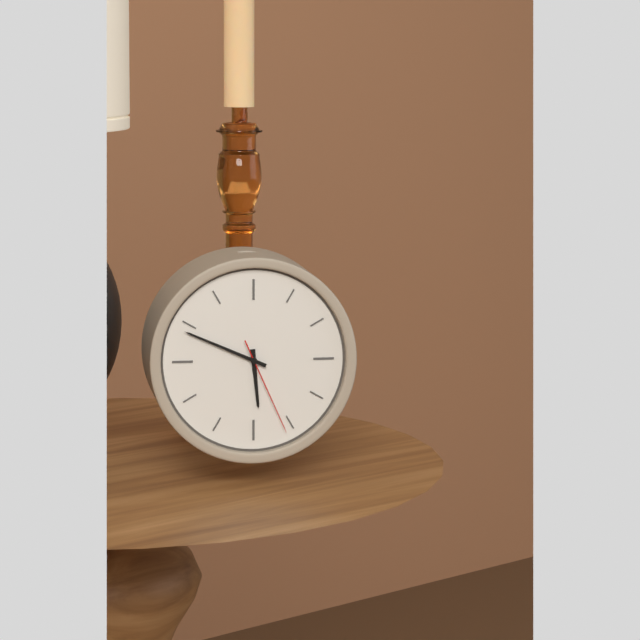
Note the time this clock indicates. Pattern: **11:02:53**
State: **5:49:26**
